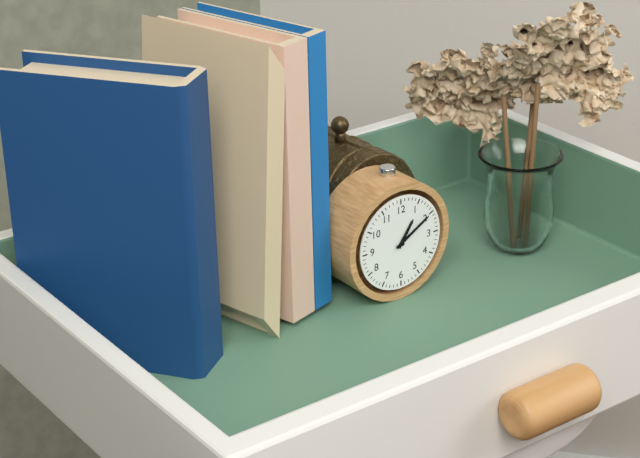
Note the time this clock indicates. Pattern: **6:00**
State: **1:10**
